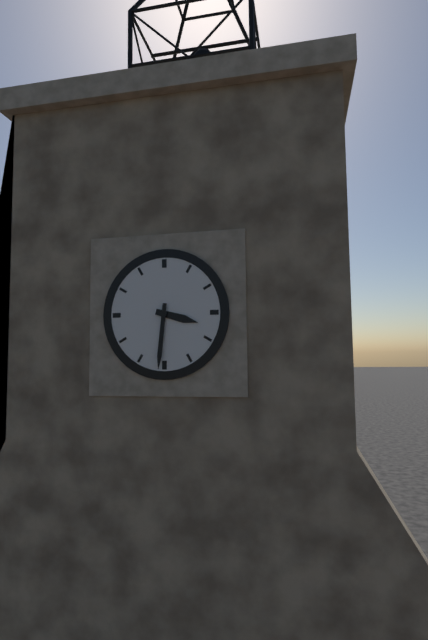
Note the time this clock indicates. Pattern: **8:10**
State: **3:31**
